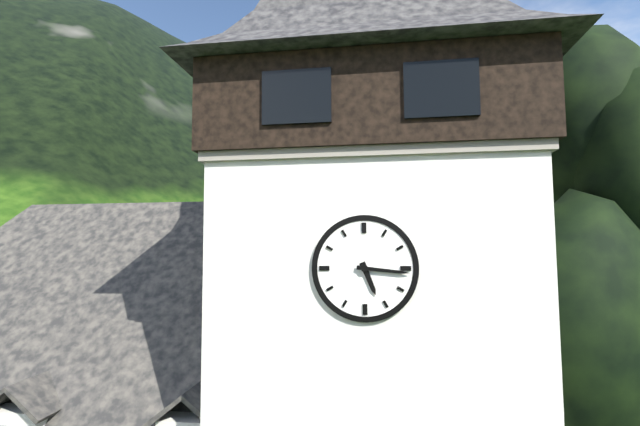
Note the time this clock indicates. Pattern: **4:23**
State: **5:16**
